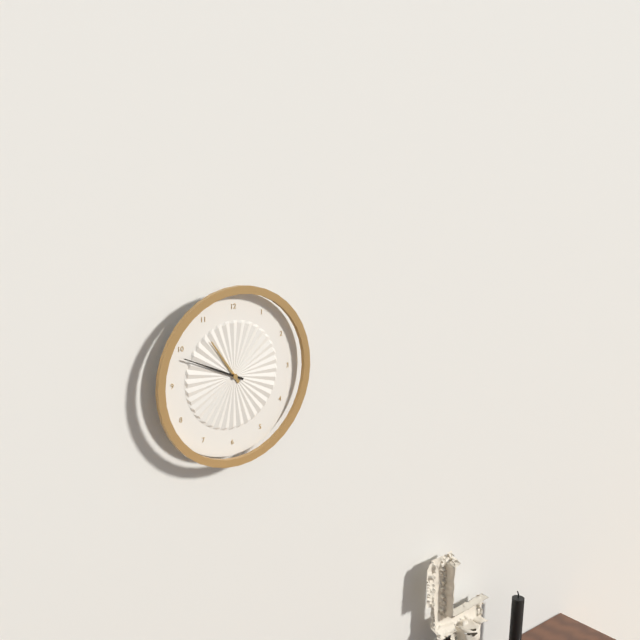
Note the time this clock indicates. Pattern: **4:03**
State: **10:49**
